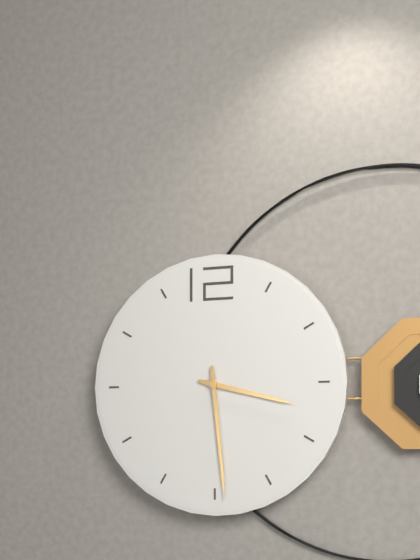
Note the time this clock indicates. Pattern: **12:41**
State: **3:29**
